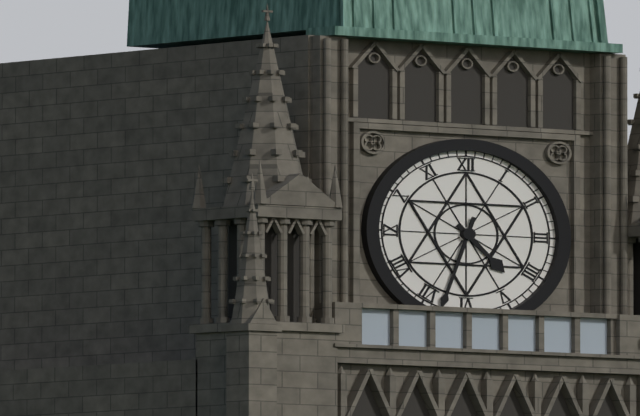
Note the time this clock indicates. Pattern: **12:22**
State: **4:33**
